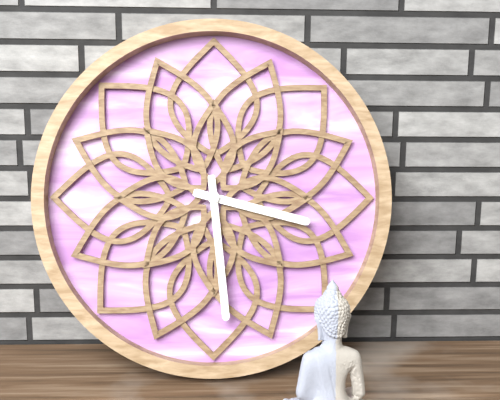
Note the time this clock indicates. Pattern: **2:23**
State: **3:29**
